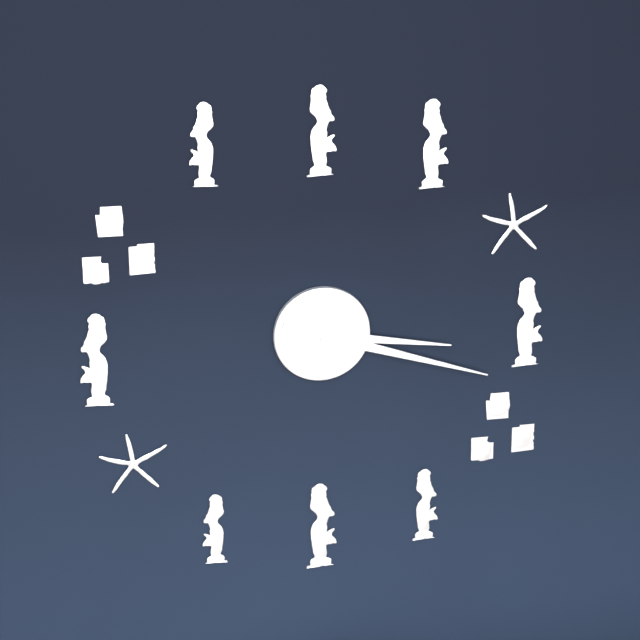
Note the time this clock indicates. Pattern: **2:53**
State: **3:18**
